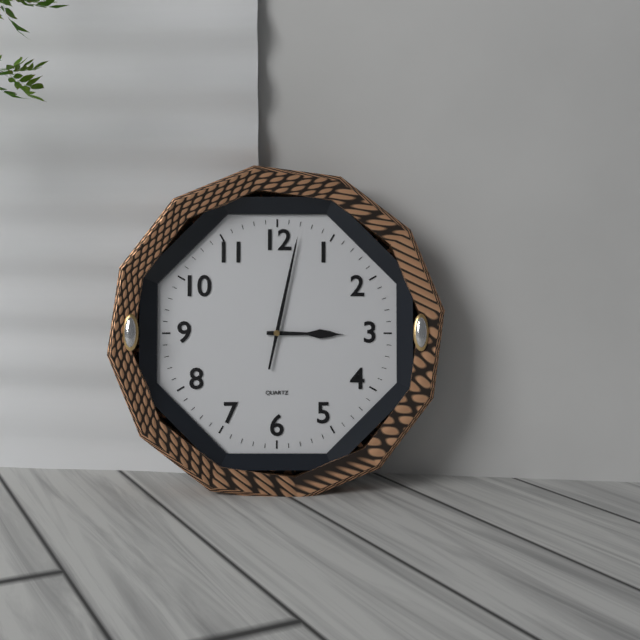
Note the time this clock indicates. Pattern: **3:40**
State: **3:02**
